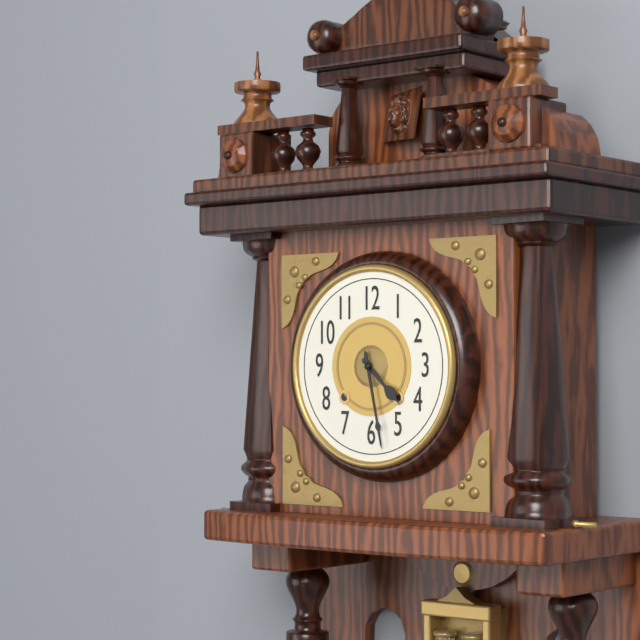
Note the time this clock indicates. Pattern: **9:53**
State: **4:28**
